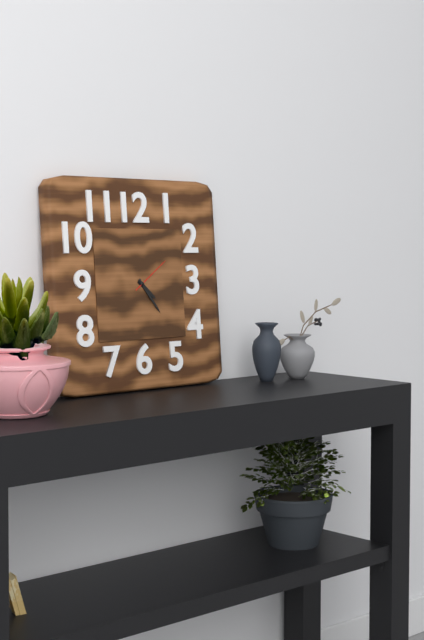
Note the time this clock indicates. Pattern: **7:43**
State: **4:24**
